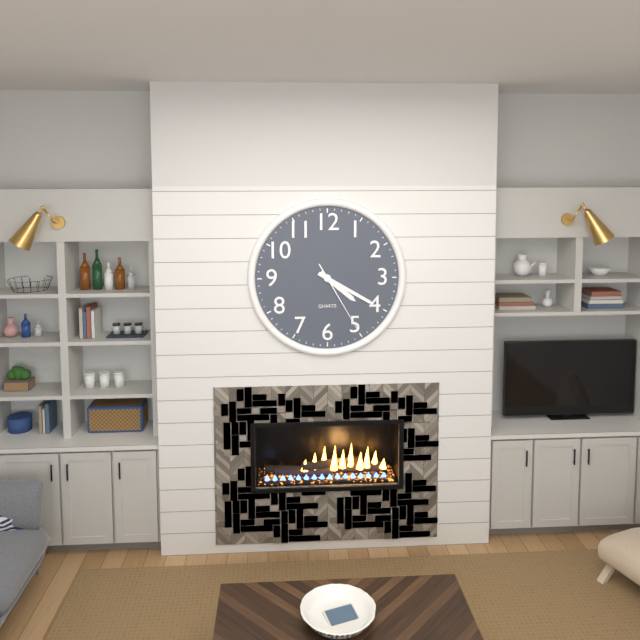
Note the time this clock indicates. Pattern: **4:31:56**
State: **4:20:25**
